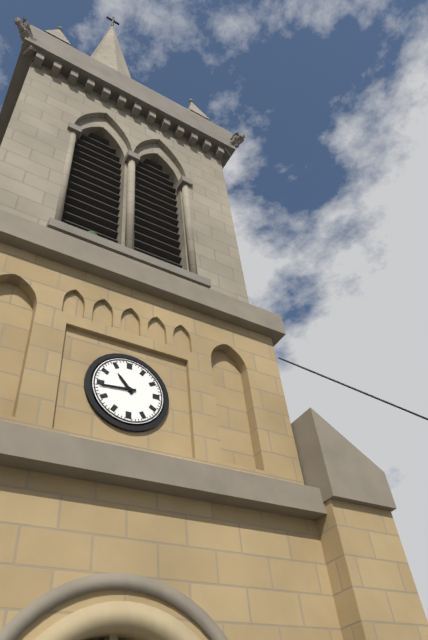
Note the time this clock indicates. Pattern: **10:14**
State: **10:44**
